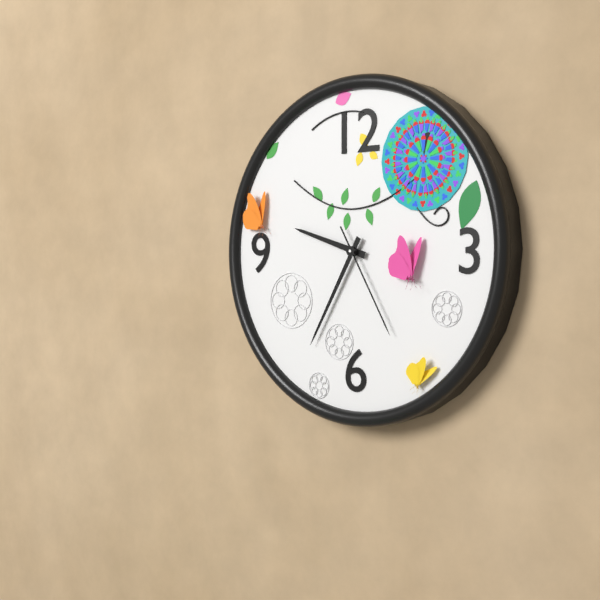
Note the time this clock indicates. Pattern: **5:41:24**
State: **9:35:25**
